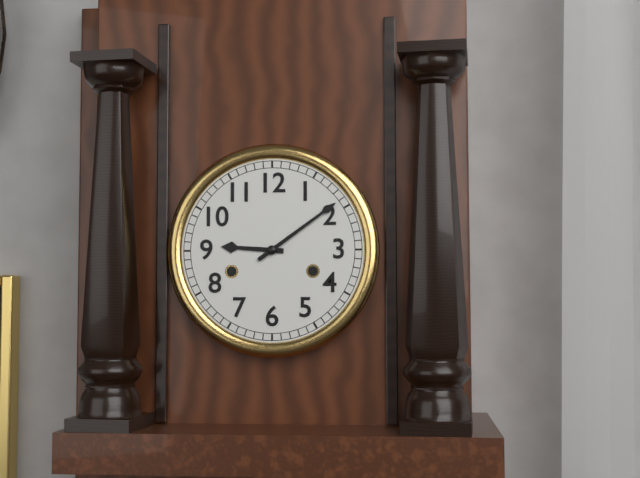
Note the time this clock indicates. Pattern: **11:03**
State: **9:09**
